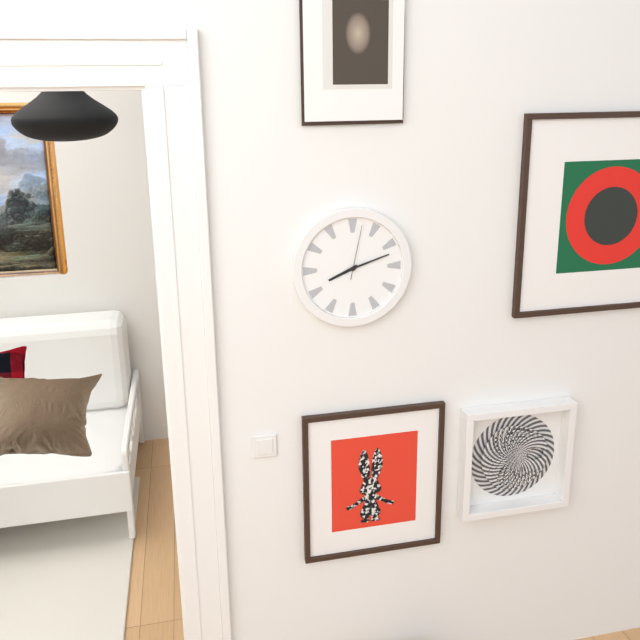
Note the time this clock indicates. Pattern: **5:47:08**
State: **8:12:02**
